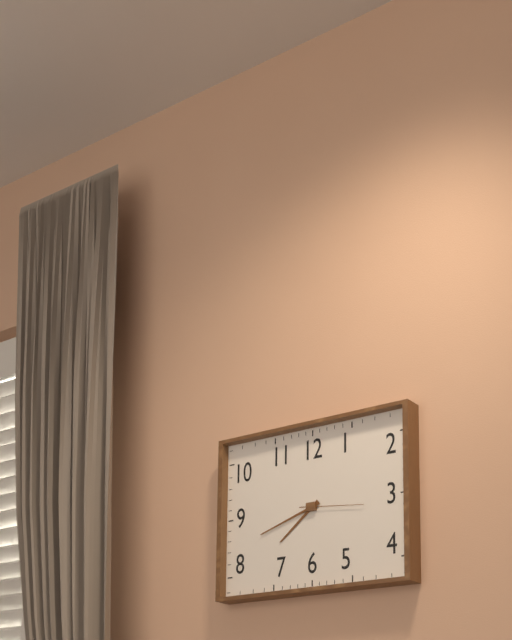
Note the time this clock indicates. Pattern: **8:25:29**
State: **7:42:16**
